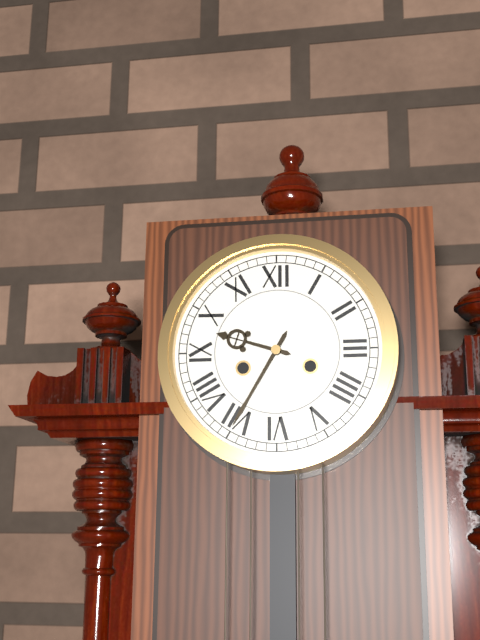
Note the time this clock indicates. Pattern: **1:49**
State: **9:35**
